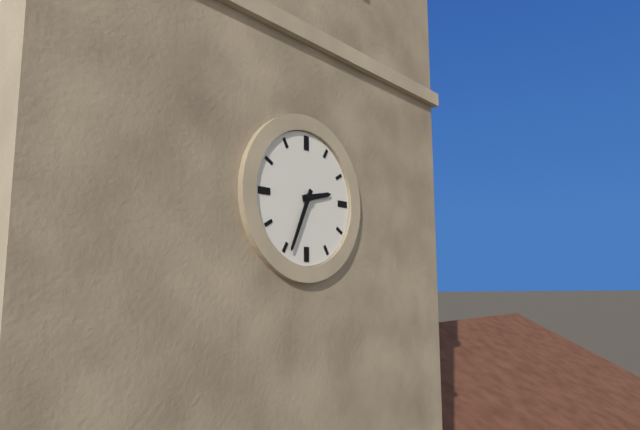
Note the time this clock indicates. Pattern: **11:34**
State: **2:34**
